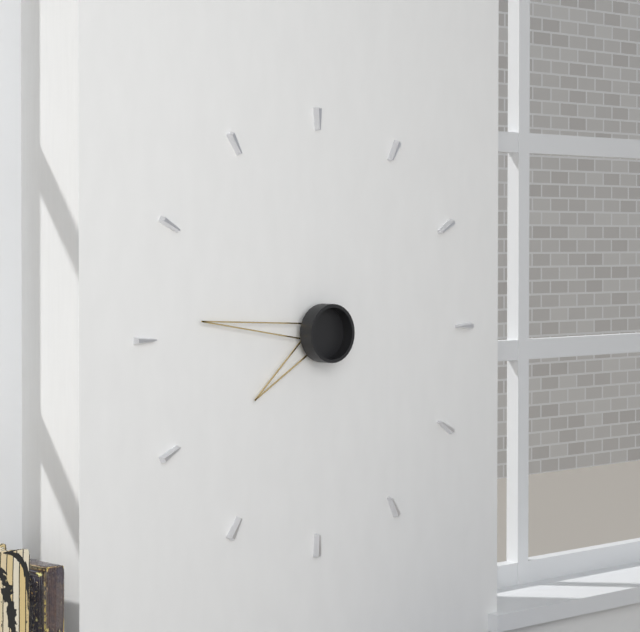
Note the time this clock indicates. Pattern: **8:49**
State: **7:46**
